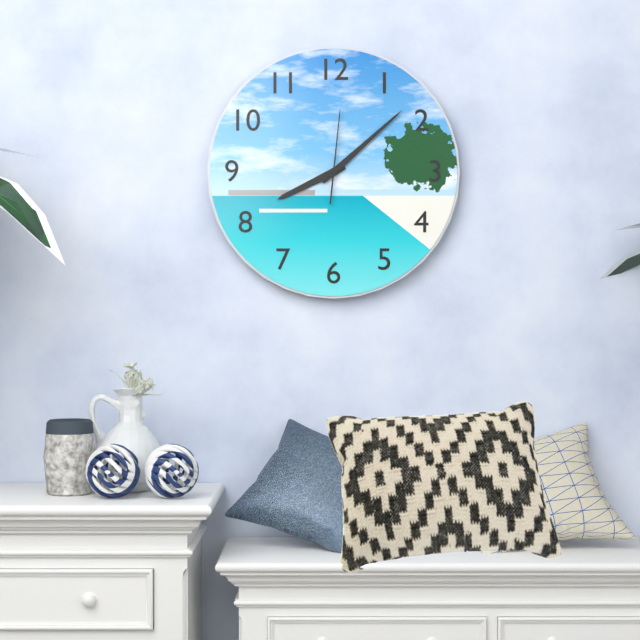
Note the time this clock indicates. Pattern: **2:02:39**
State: **8:08:01**
